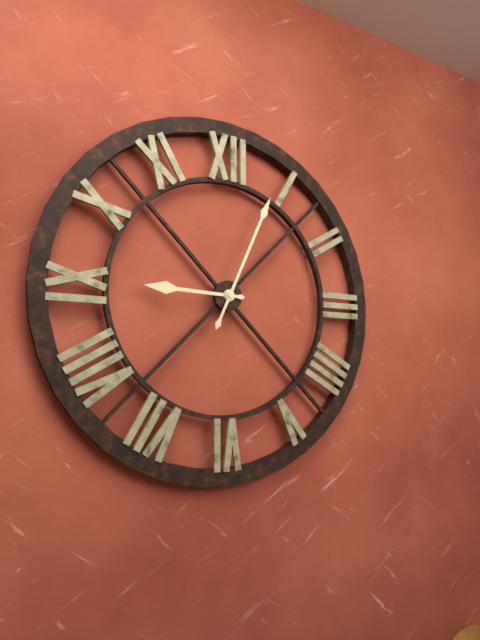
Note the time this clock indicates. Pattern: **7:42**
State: **9:04**
